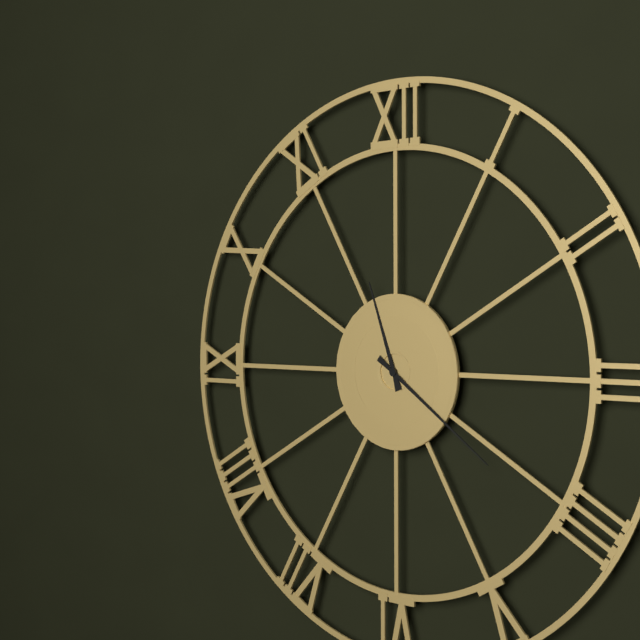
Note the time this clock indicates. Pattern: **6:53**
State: **11:21**
